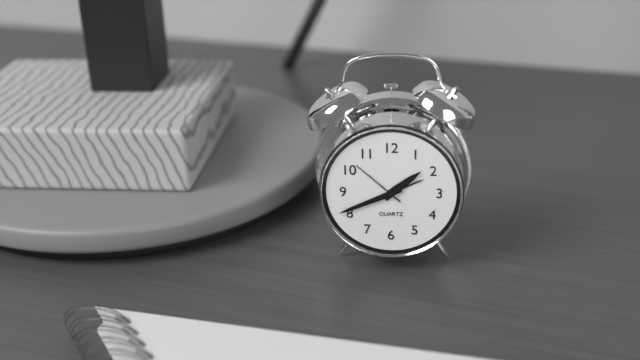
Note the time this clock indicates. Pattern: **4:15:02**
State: **1:41:52**
